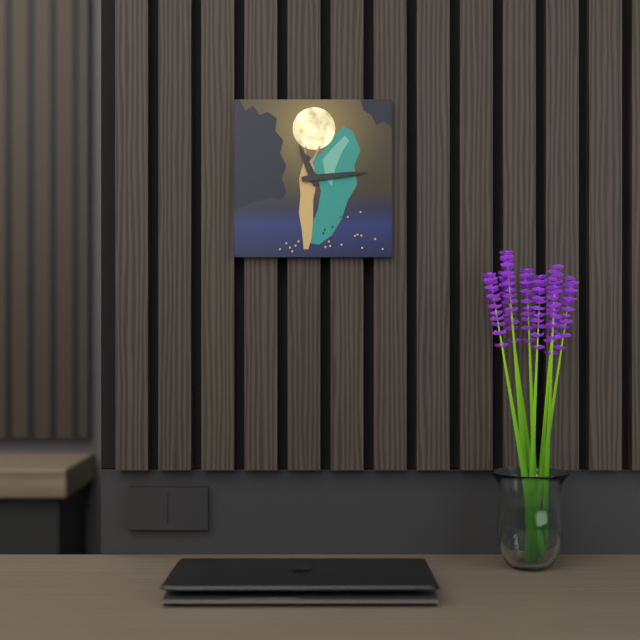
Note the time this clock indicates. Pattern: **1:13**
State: **11:14**
